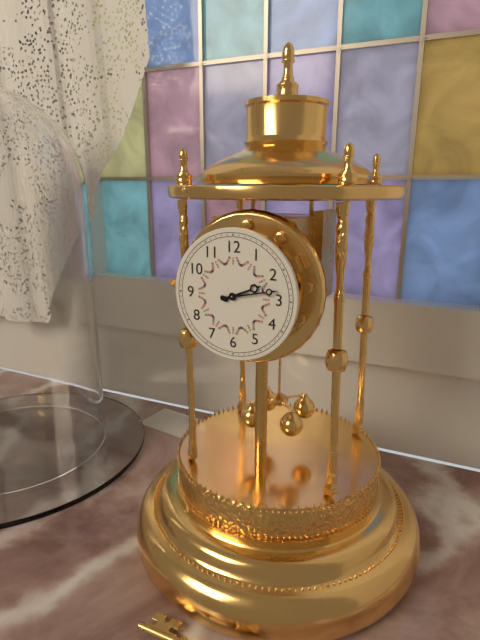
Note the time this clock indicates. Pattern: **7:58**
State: **2:13**
